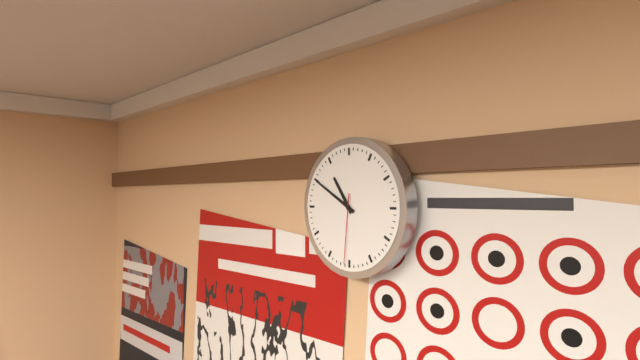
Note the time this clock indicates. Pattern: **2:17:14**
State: **10:50:31**
